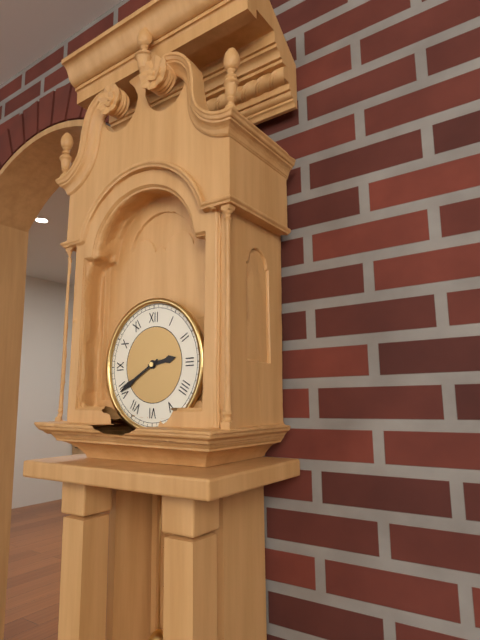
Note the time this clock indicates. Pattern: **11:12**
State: **2:40**
